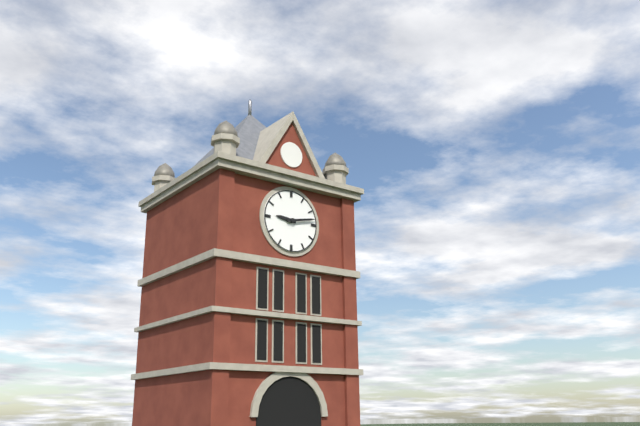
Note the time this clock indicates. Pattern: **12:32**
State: **9:13**
